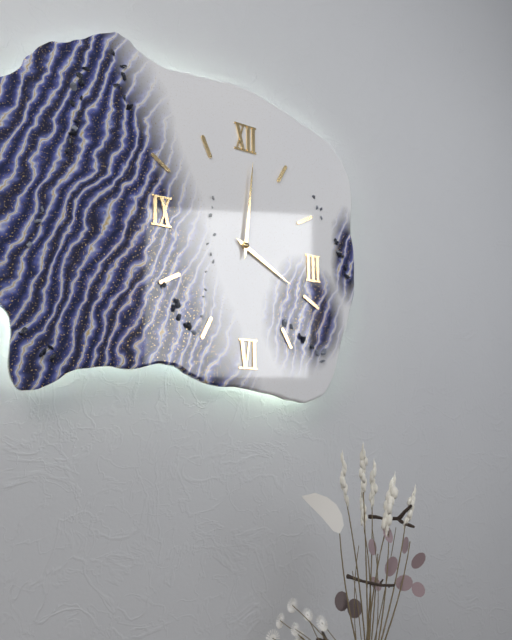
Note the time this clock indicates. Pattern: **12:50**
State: **4:01**
